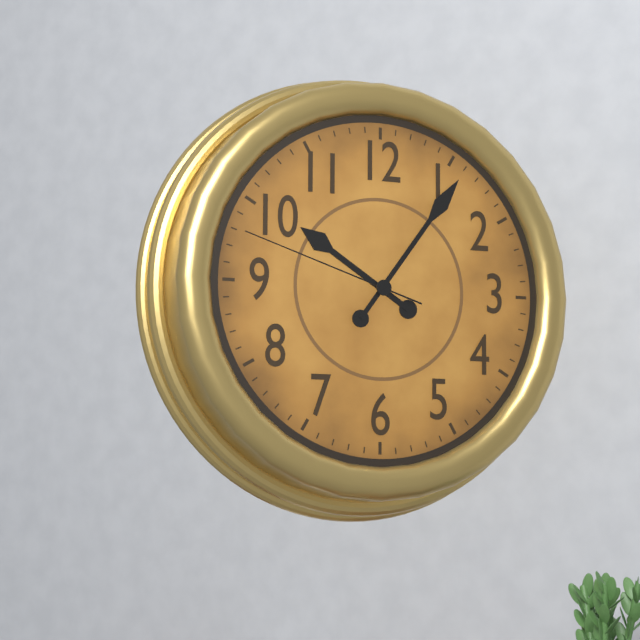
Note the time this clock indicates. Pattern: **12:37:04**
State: **10:06:48**
